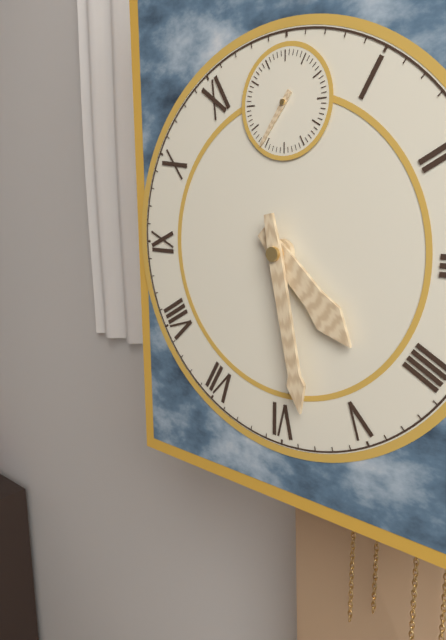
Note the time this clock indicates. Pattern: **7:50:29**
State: **4:28:36**
